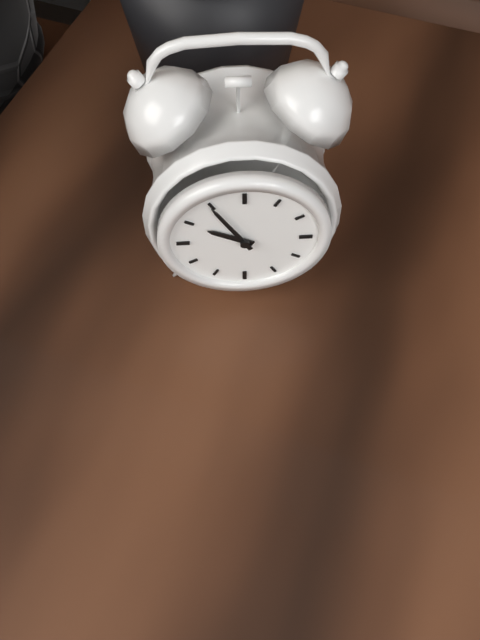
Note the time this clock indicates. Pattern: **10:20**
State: **9:55**
